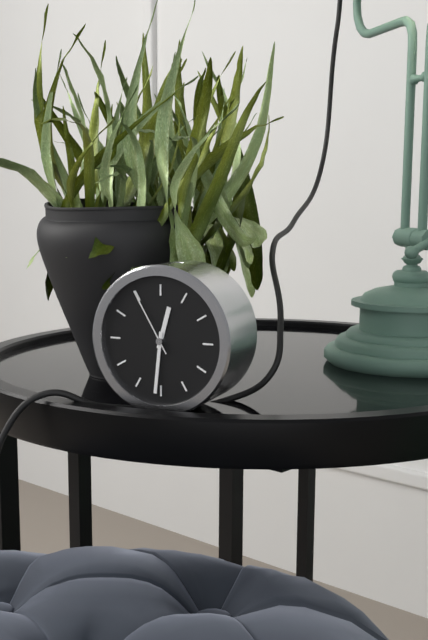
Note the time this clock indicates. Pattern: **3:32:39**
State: **12:31:55**
